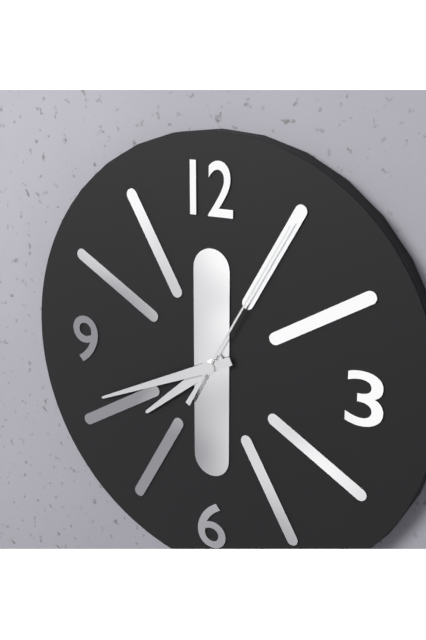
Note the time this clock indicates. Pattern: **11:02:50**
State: **7:41:05**
